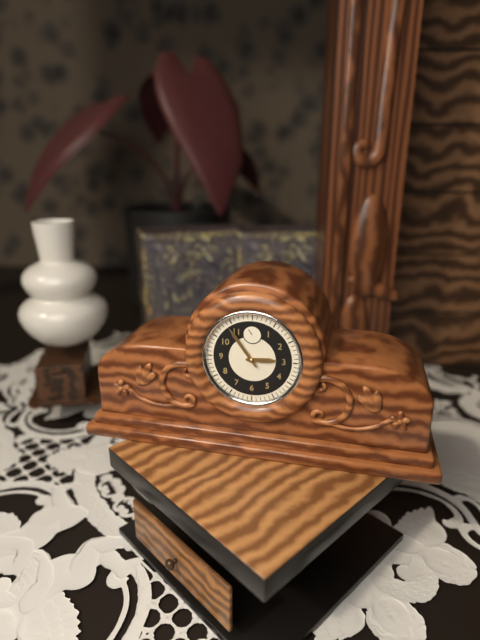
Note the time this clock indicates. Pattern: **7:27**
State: **2:54**
